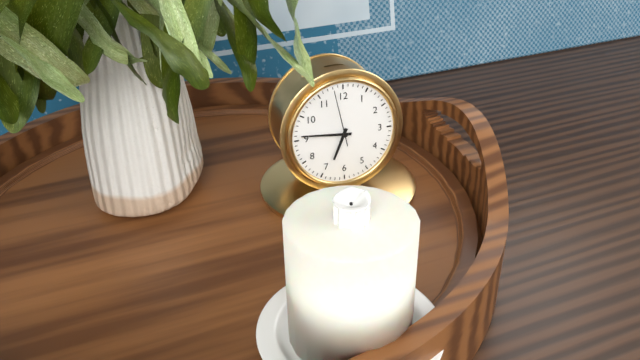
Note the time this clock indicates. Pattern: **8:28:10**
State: **6:46:58**
